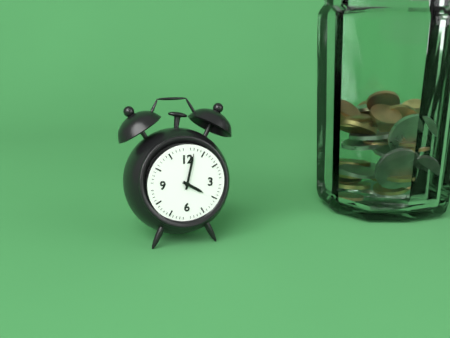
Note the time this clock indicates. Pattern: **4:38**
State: **4:02**
